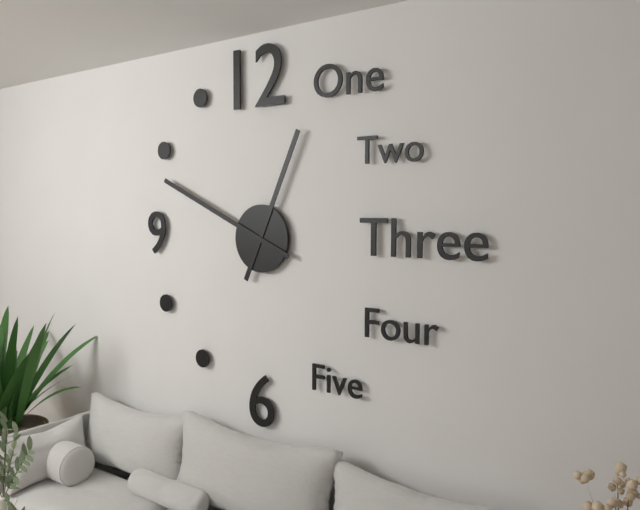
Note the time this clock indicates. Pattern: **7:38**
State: **12:49**
